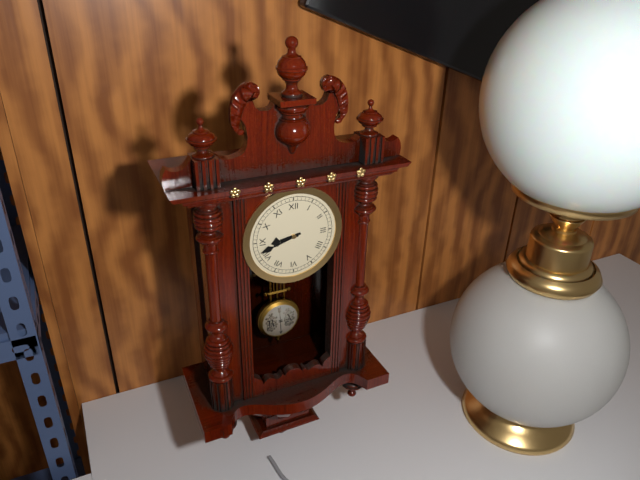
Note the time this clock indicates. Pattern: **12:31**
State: **8:42**
